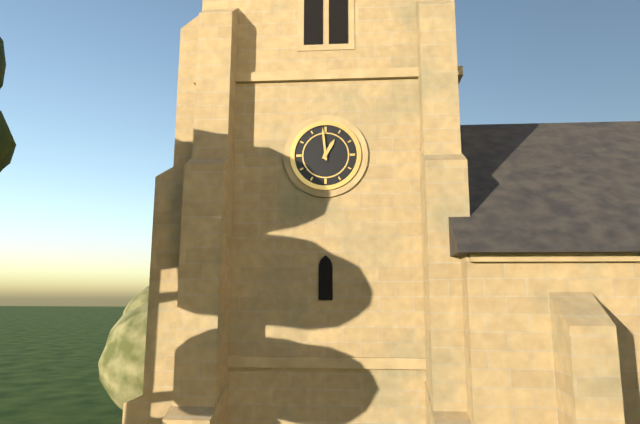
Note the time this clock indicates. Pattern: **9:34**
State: **12:59**
